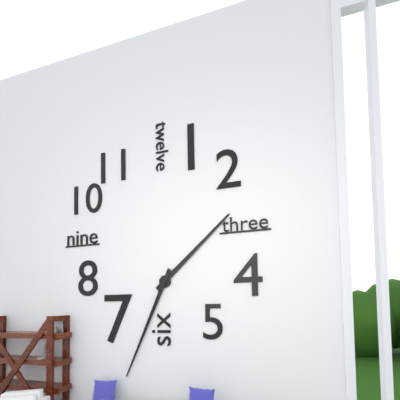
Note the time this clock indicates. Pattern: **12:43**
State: **1:34**
